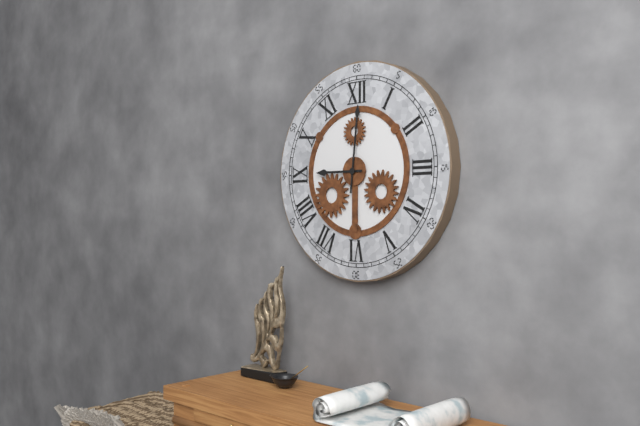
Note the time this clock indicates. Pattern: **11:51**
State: **9:01**
